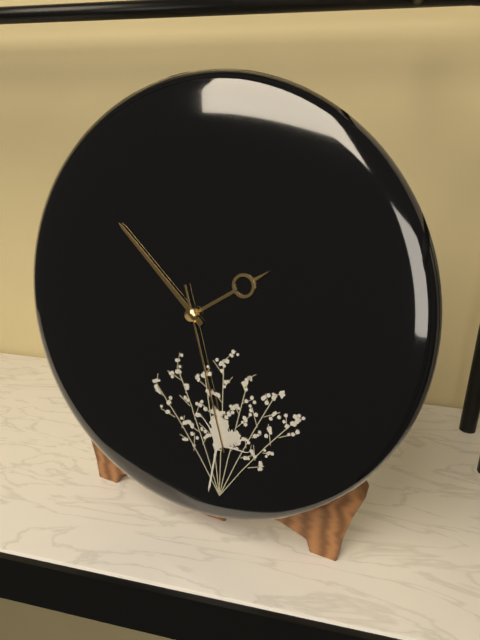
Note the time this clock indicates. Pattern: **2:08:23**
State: **1:52:27**
